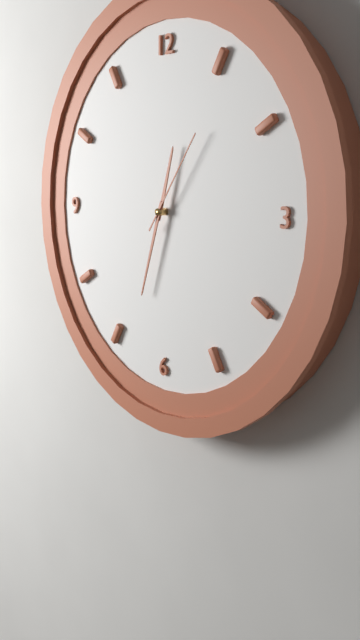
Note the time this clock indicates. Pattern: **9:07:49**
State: **12:33:06**
